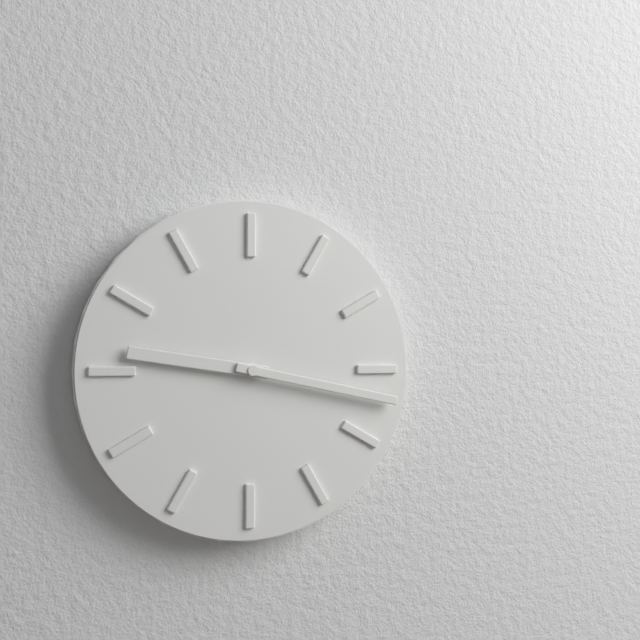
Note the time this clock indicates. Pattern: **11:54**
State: **9:17**
